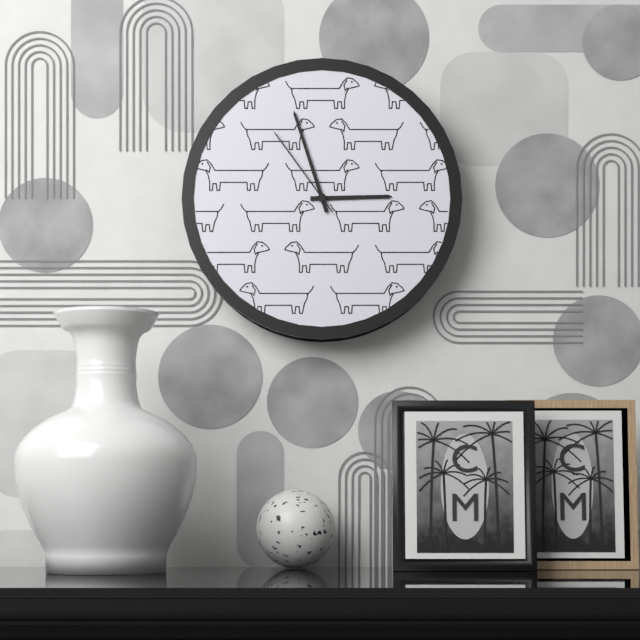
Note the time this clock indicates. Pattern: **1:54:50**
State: **2:57:54**
